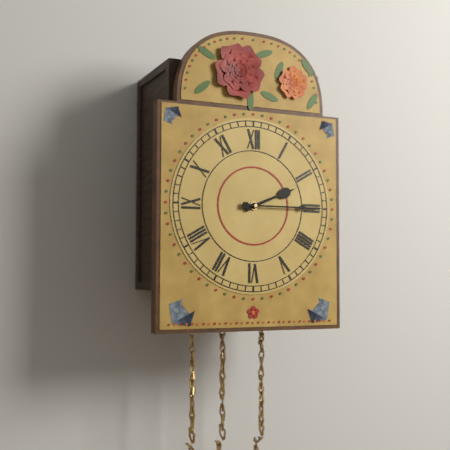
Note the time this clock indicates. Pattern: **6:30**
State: **2:15**
